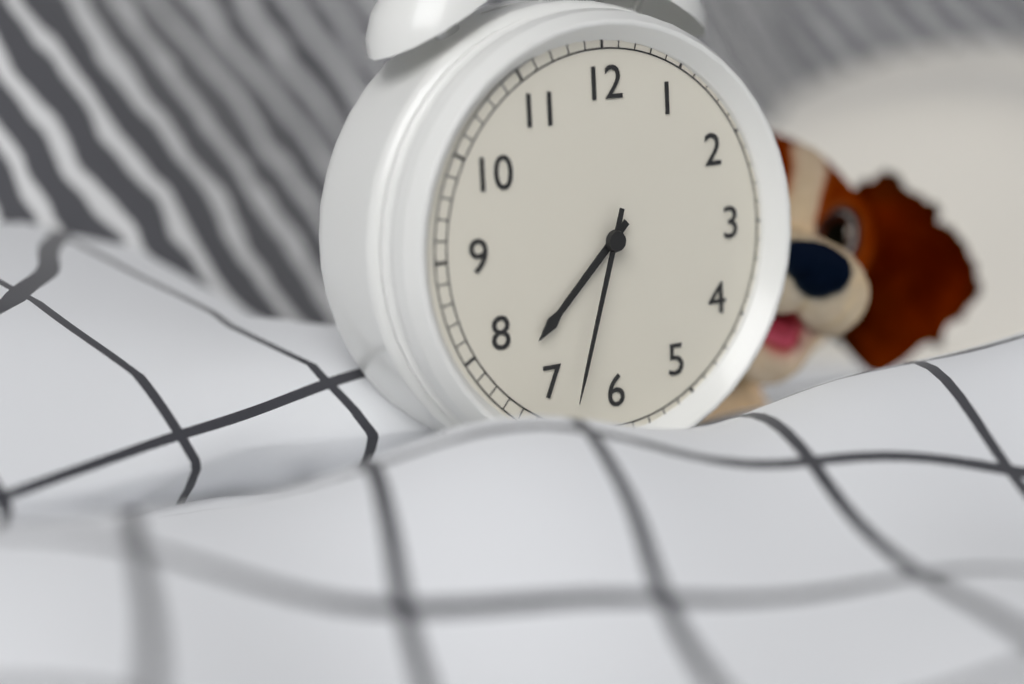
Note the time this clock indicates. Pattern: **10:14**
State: **7:33**
